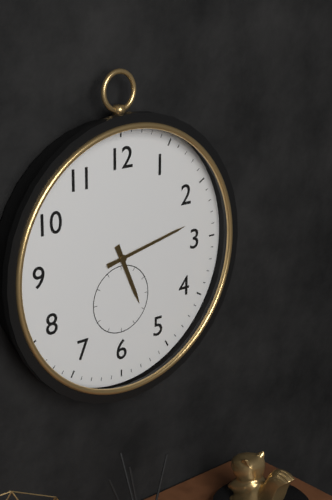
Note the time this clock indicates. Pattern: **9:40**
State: **5:13**
